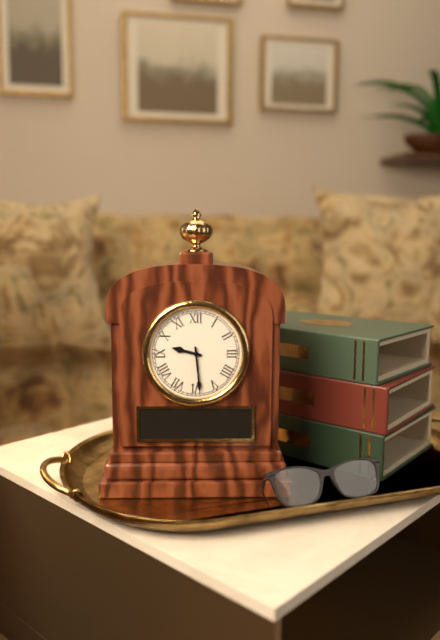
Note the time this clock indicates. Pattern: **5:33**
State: **9:29**
